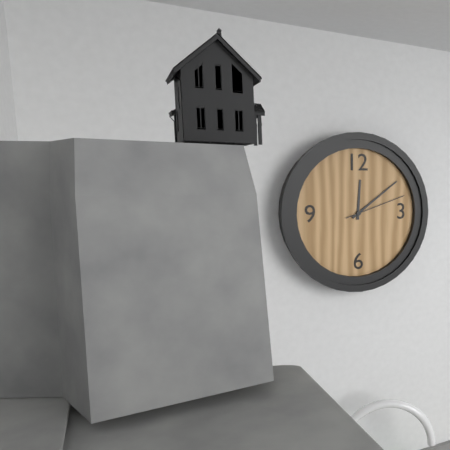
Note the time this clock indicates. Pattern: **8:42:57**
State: **12:09:12**
